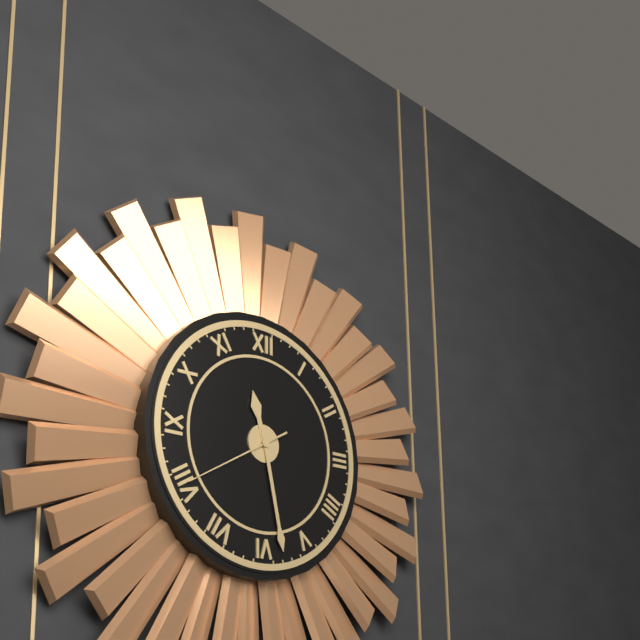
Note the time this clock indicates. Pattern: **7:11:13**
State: **11:28:40**
